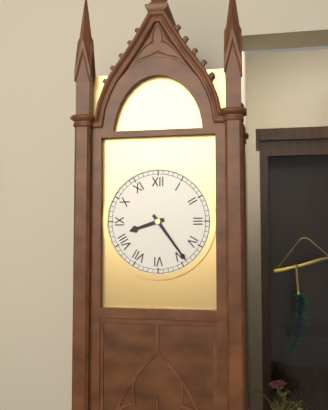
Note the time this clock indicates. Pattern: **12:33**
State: **8:24**
